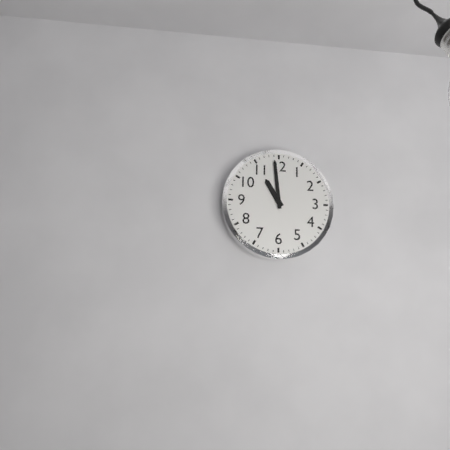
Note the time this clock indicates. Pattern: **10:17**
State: **10:59**
